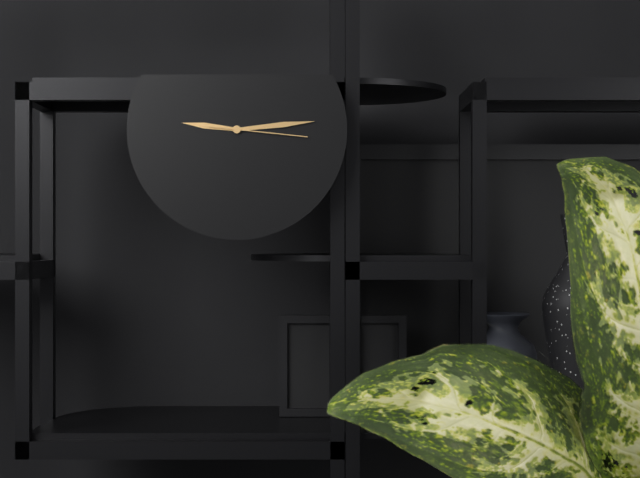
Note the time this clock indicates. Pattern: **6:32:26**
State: **9:14:16**
